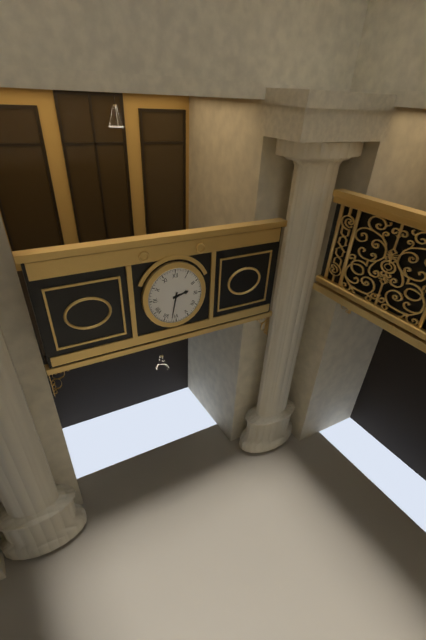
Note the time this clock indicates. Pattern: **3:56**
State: **2:32**
